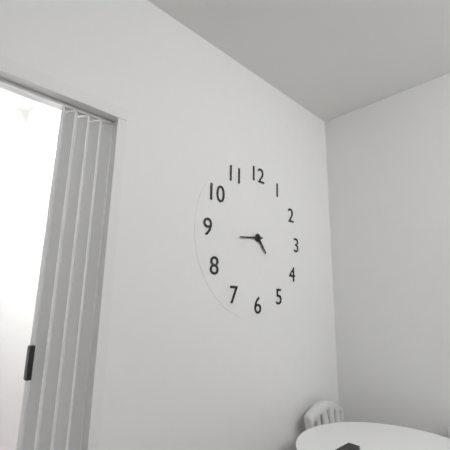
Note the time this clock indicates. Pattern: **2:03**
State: **4:44**
